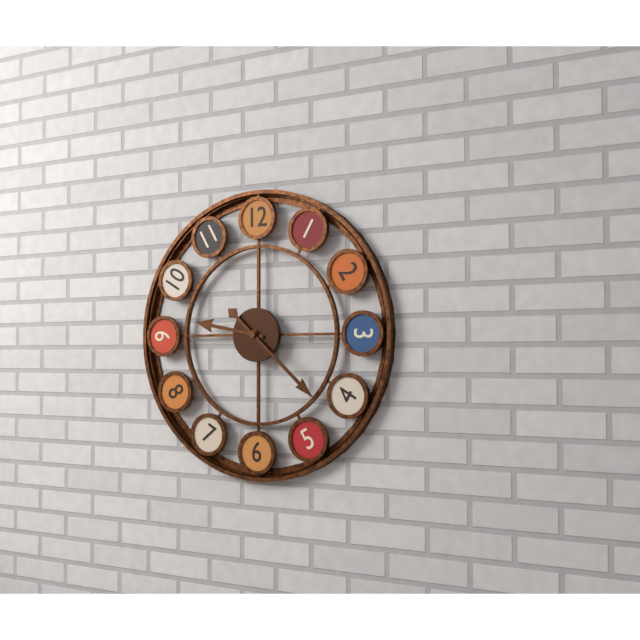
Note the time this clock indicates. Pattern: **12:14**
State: **9:22**
